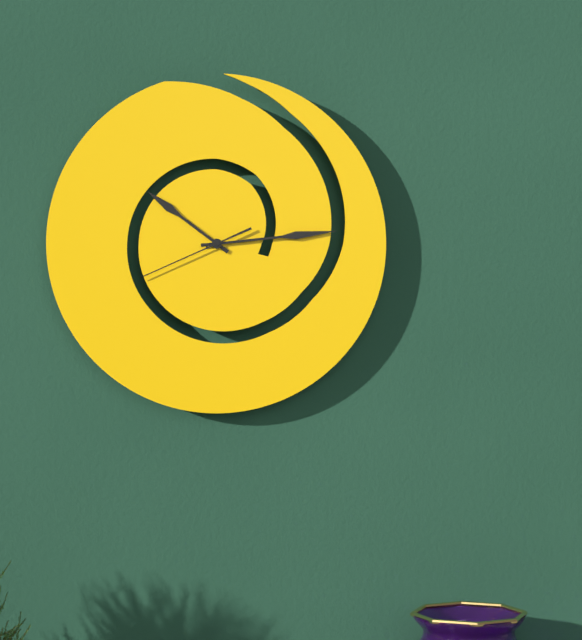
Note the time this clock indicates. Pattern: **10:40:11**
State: **10:14:41**
